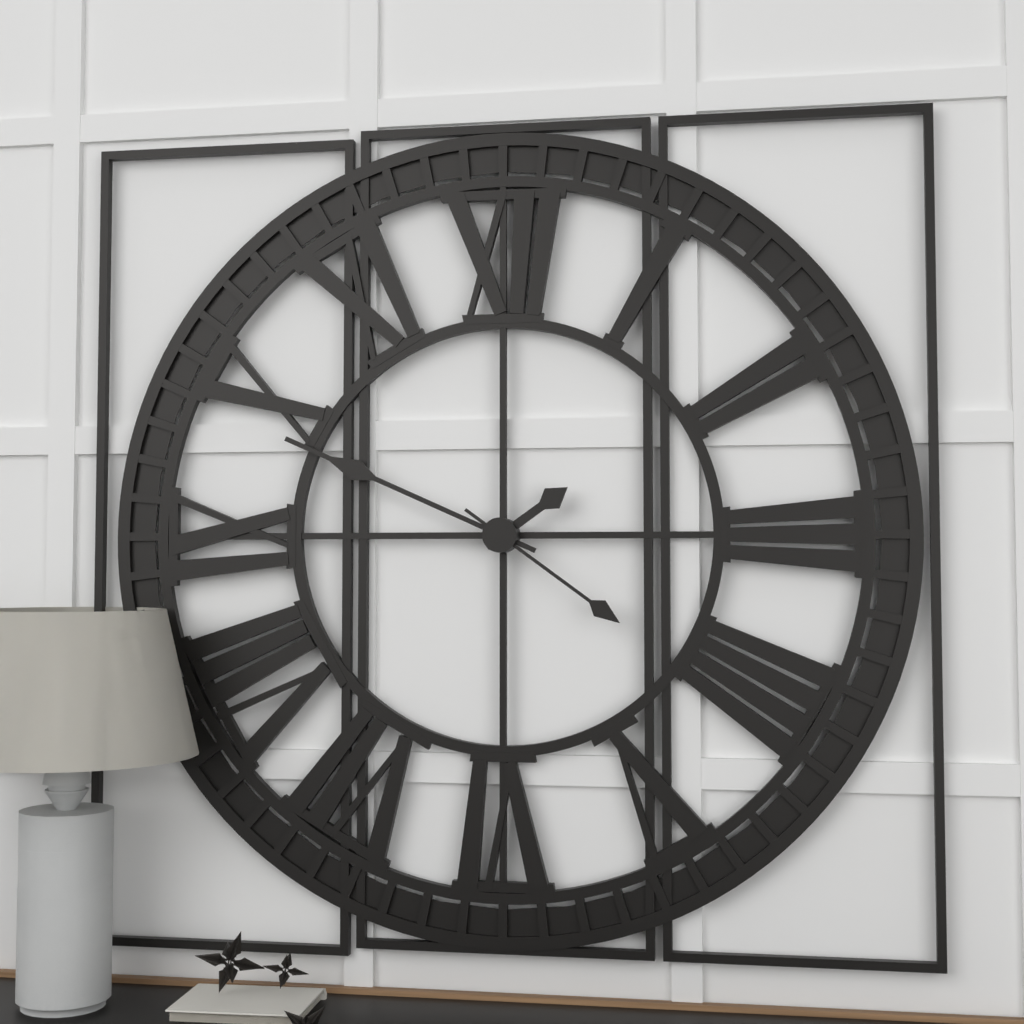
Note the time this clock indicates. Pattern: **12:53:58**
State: **1:49:21**
